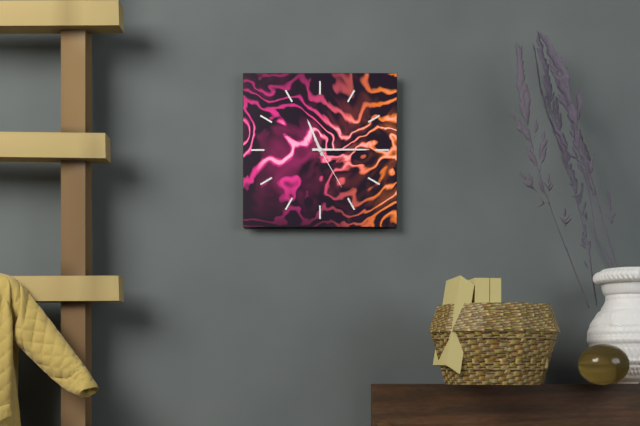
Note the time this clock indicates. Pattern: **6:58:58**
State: **11:15:25**
